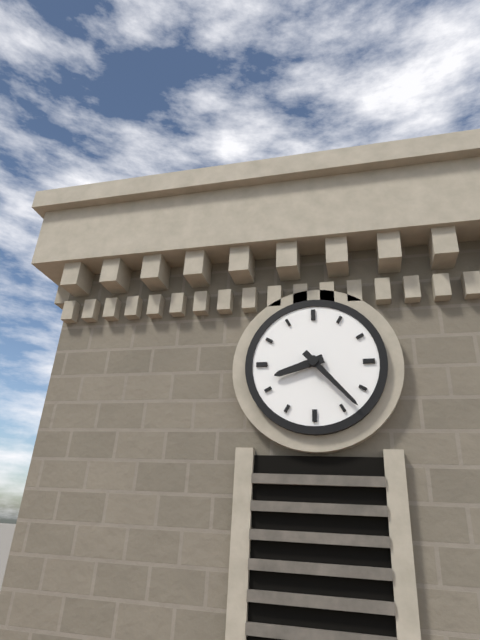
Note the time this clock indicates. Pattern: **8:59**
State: **8:23**
